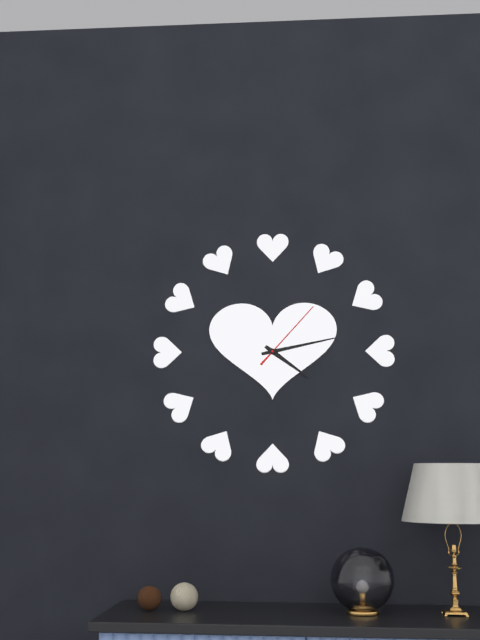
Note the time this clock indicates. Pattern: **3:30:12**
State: **4:13:07**
